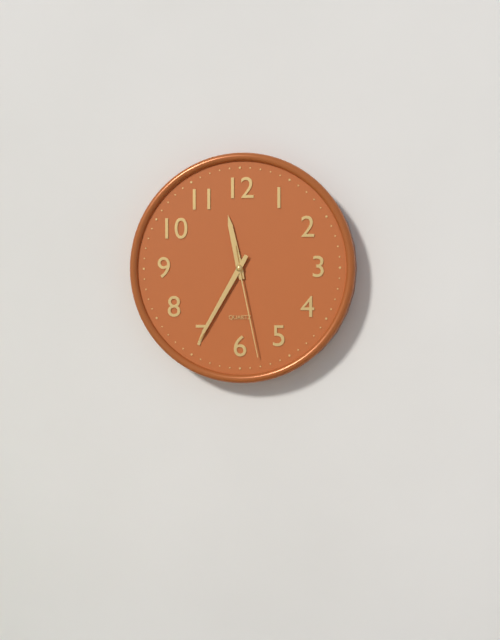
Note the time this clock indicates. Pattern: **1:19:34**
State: **11:35:28**
